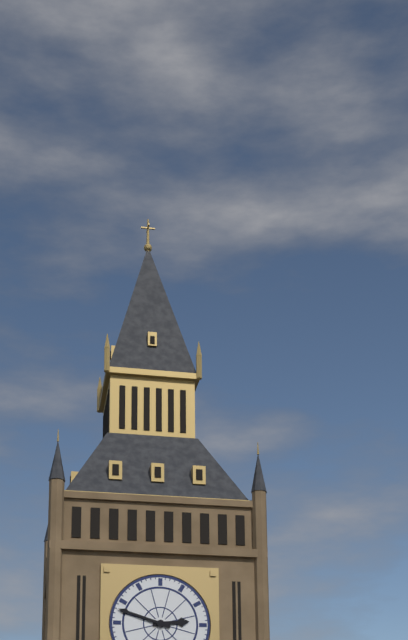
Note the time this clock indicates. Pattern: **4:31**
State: **2:48**
